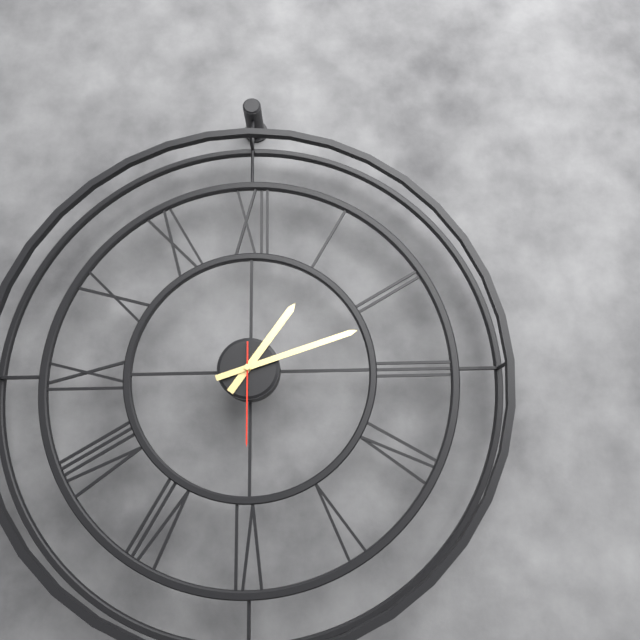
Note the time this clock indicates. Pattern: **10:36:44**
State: **1:12:30**
